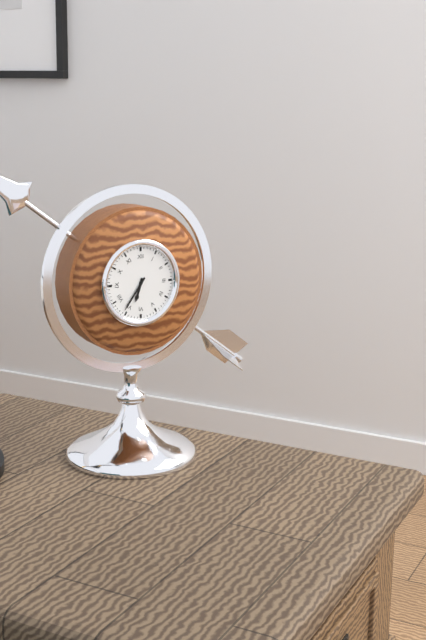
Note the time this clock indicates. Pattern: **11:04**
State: **6:36**
